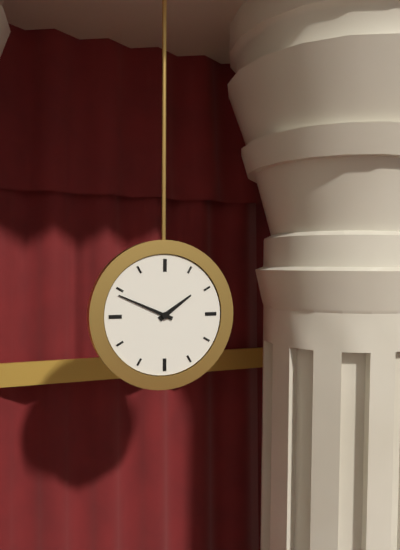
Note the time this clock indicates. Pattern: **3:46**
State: **1:49**
